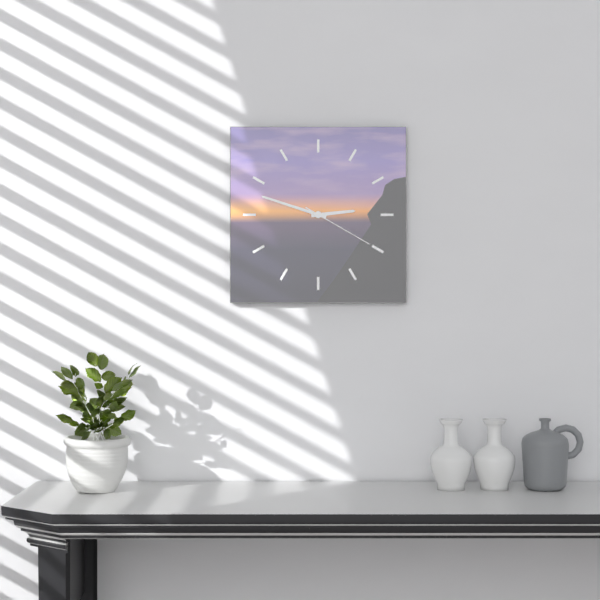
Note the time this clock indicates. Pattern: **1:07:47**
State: **2:48:20**
